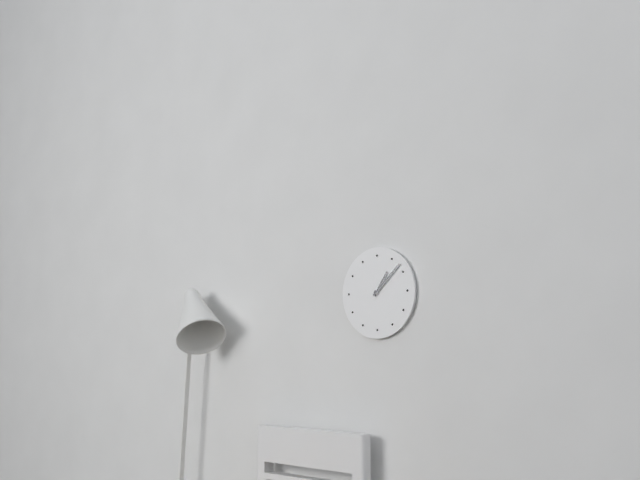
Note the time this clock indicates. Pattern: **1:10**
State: **1:08**
